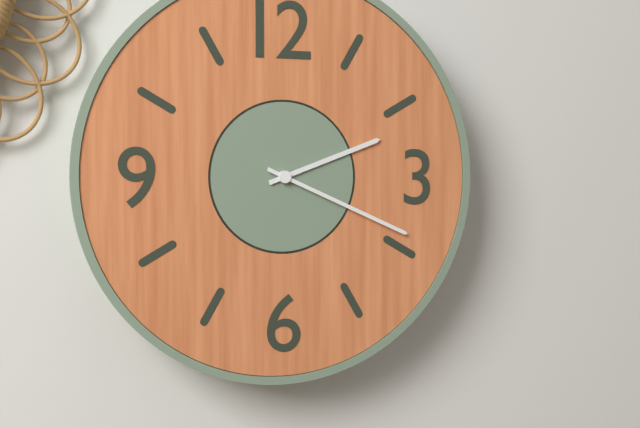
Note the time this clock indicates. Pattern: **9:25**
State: **2:19**
